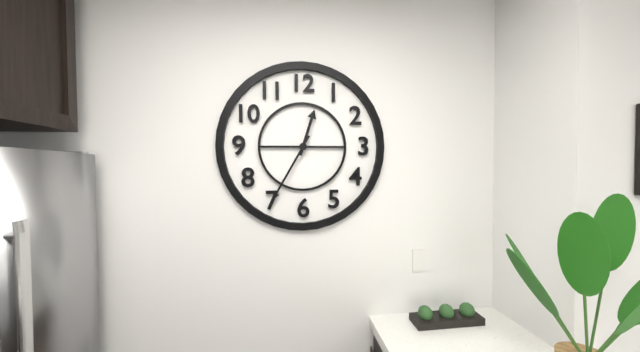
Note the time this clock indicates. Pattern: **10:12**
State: **12:35**
